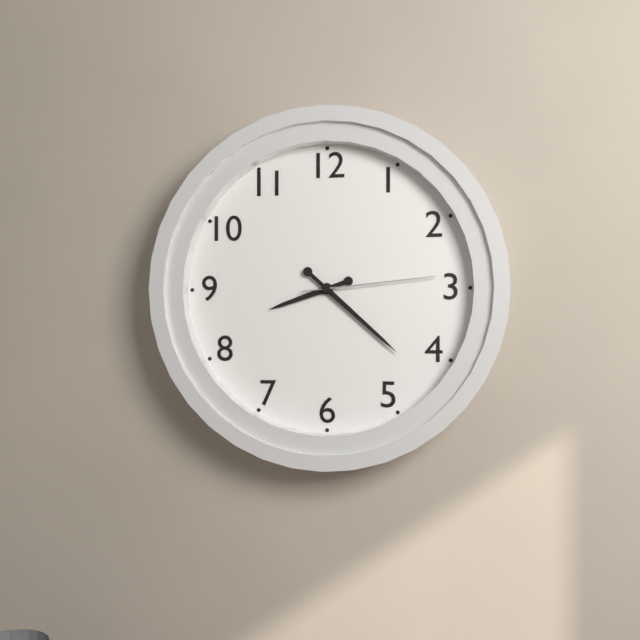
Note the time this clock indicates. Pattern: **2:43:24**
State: **8:22:14**
